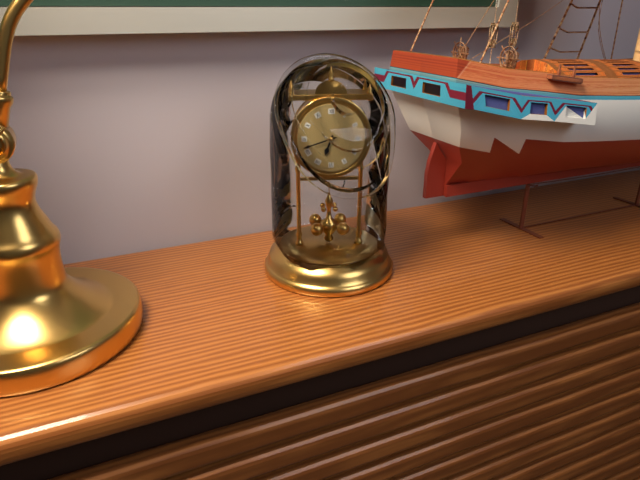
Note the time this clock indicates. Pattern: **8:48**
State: **6:42**
